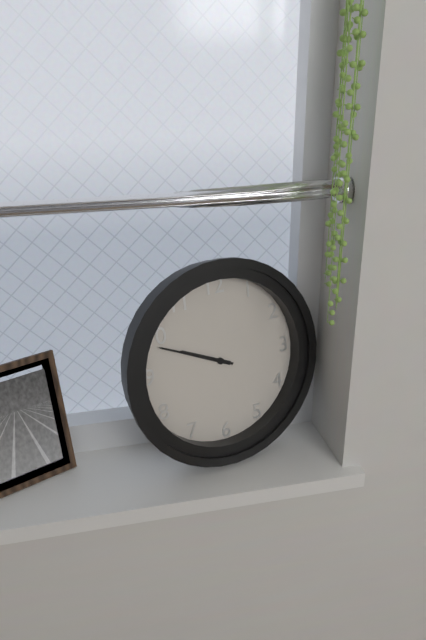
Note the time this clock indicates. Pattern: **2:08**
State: **9:49**
